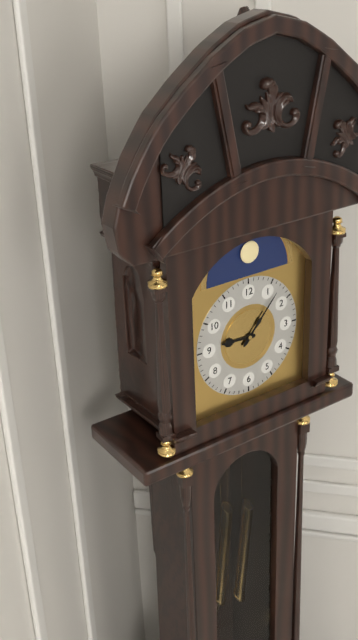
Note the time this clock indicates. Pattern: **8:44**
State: **9:07**
